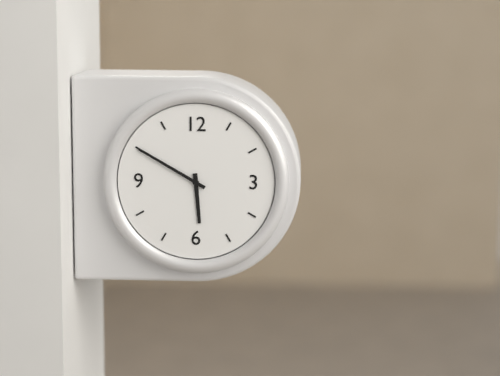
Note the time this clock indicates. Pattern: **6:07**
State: **5:50**
